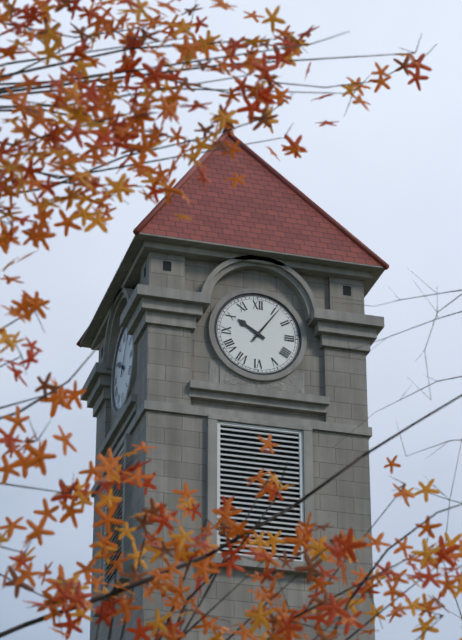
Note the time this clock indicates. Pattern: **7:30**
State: **10:06**
